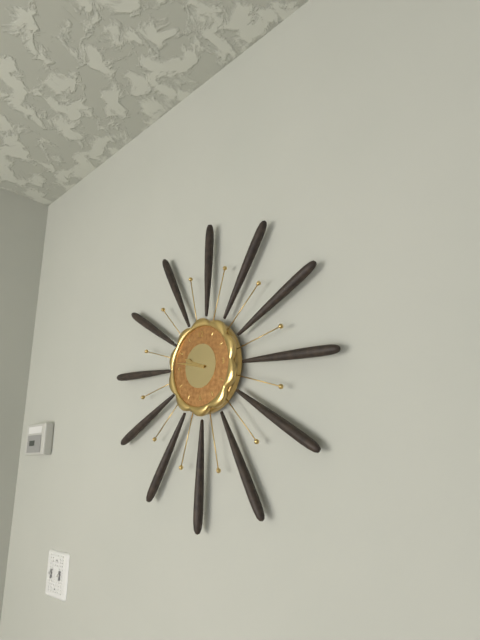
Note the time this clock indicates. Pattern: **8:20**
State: **9:47**
